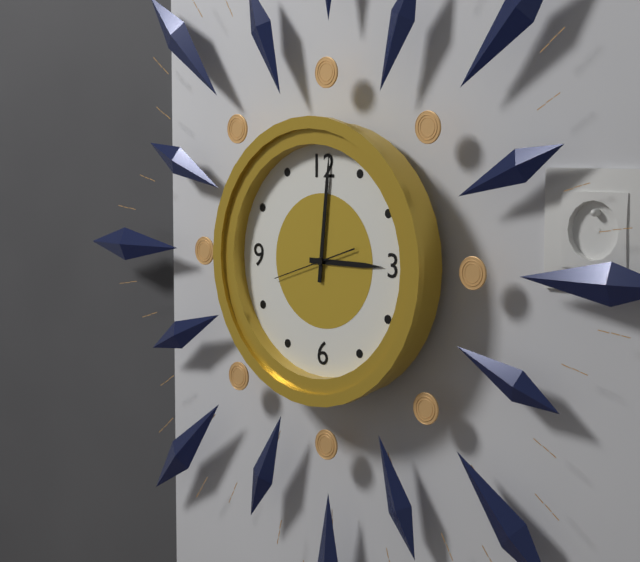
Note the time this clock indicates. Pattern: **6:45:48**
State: **3:01:42**
